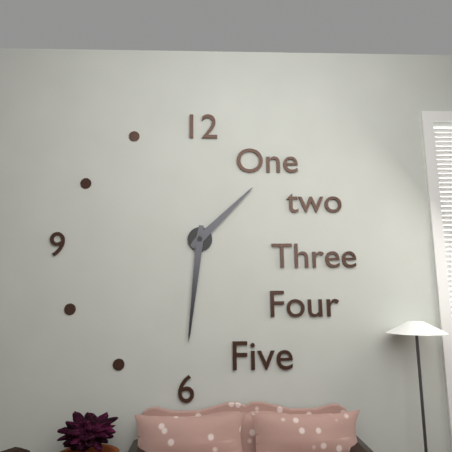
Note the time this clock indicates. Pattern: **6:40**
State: **1:31**
